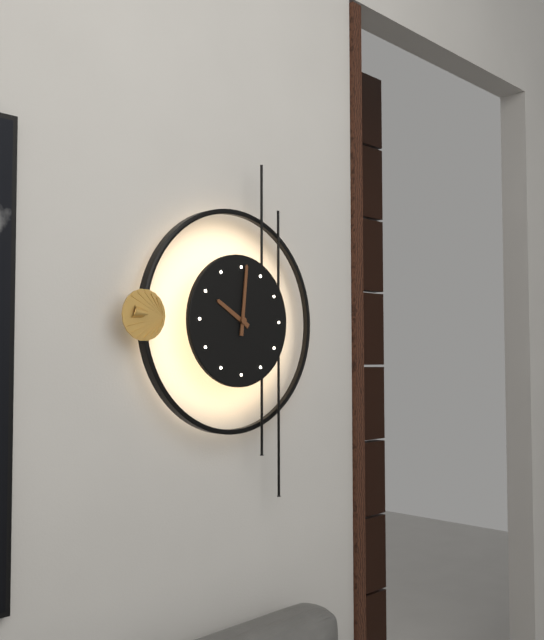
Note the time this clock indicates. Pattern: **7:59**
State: **10:01**
